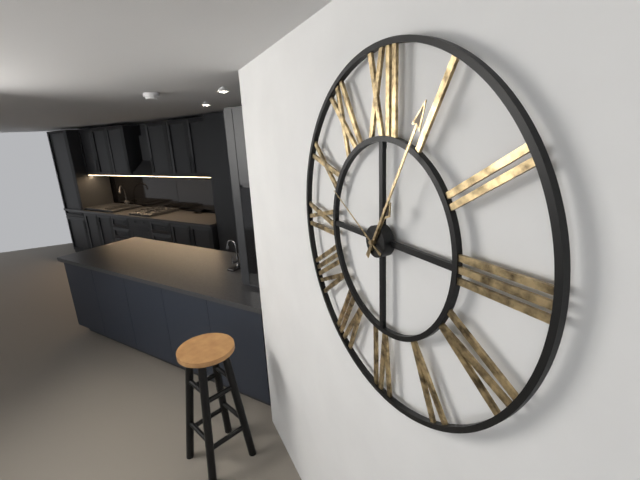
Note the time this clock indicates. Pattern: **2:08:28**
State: **1:05:50**
